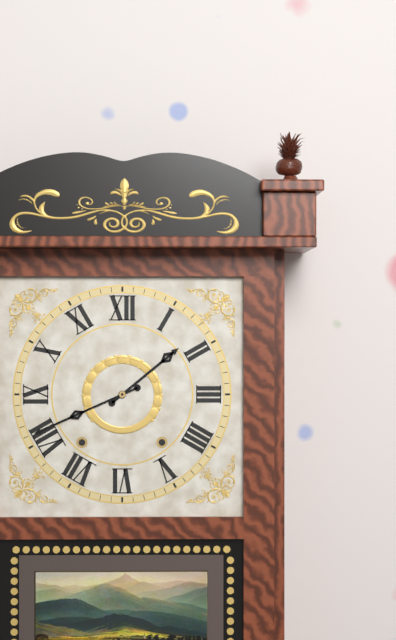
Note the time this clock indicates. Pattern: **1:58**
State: **1:41**
